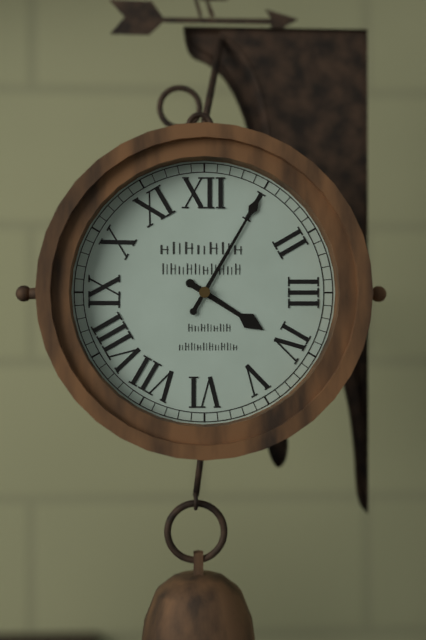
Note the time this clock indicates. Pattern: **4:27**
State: **4:05**
